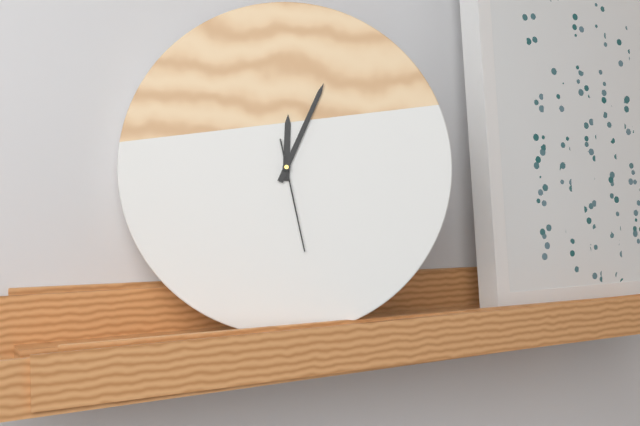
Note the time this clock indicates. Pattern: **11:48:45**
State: **12:04:28**
